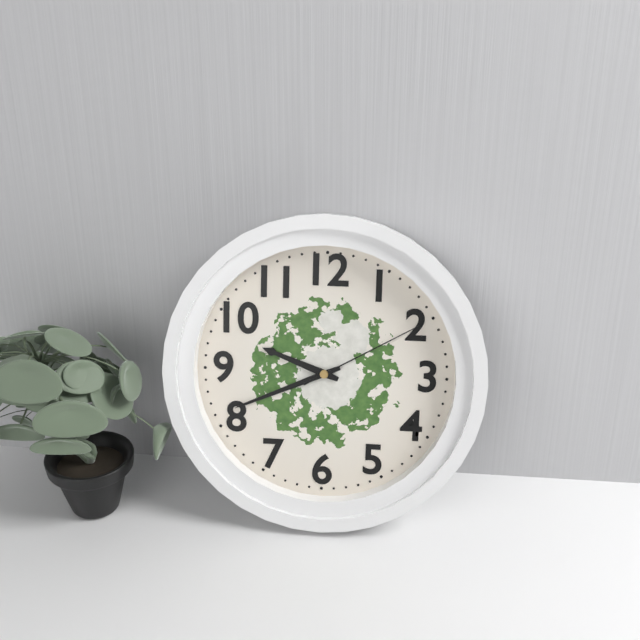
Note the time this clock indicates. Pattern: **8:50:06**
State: **9:41:10**
